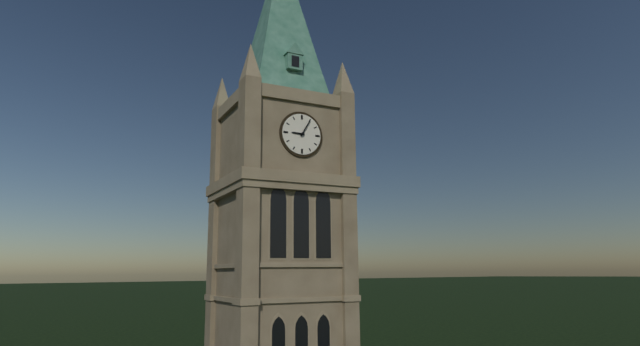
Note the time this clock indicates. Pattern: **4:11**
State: **9:05**
